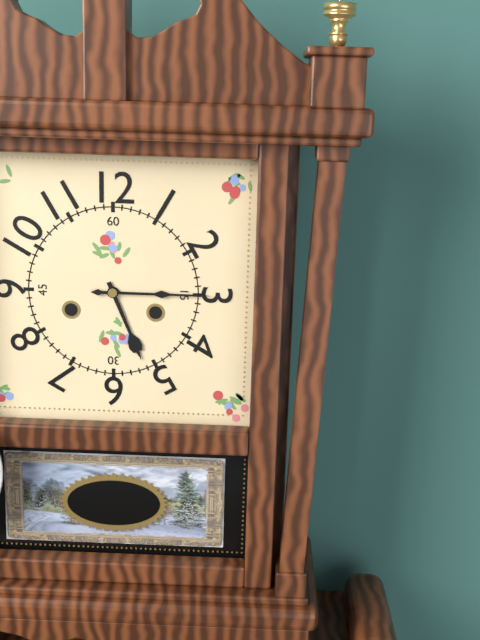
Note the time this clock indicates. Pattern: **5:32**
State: **5:15**
